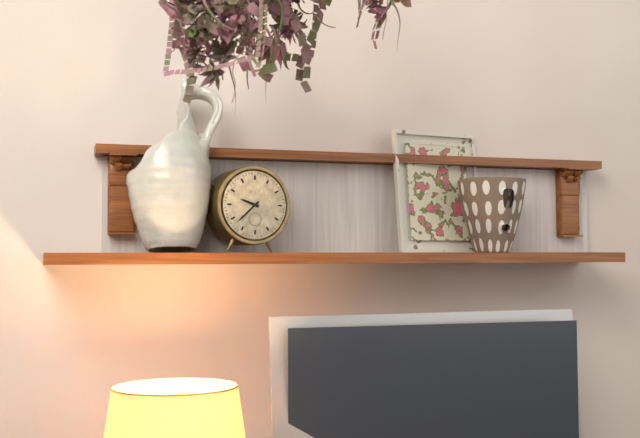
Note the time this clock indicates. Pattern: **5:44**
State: **9:38**
